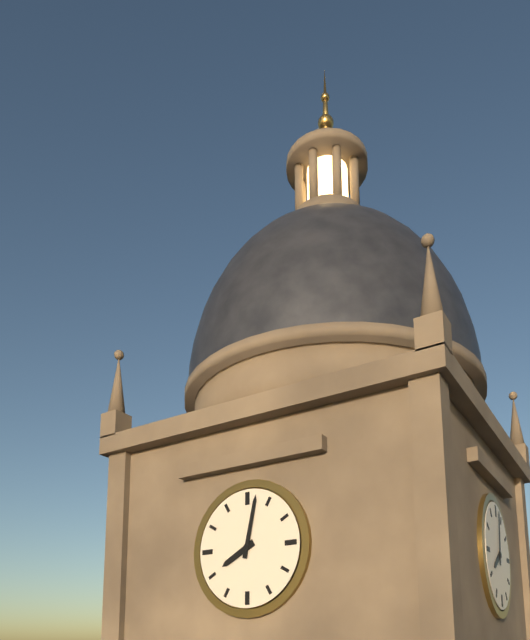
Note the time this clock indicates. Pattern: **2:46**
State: **8:02**
